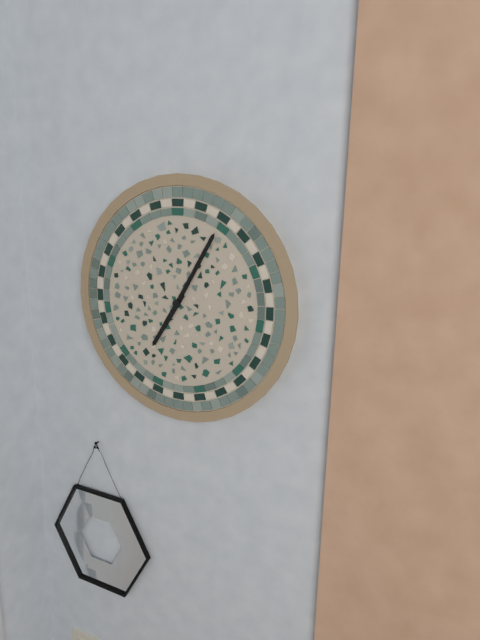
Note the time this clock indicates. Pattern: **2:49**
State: **7:05**
